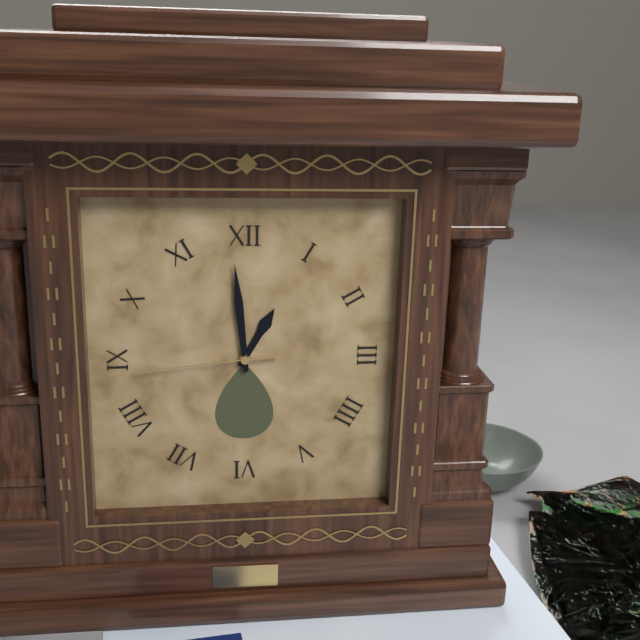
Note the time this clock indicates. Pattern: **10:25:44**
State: **12:59:44**
